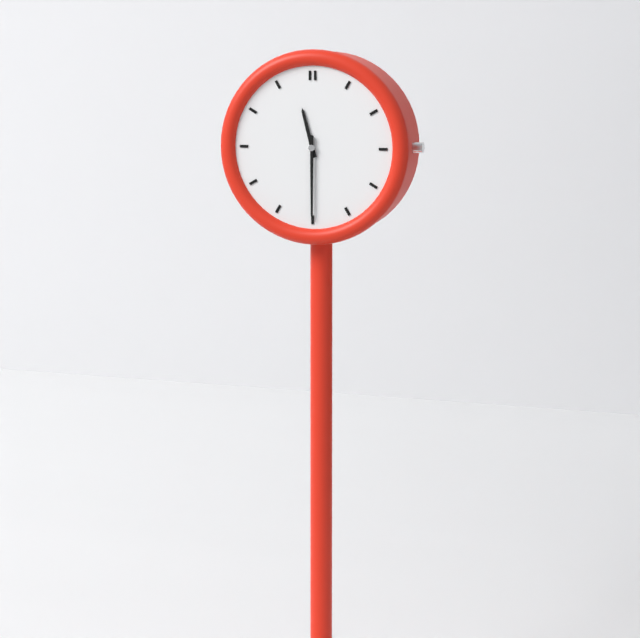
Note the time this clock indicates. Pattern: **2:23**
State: **11:30**
